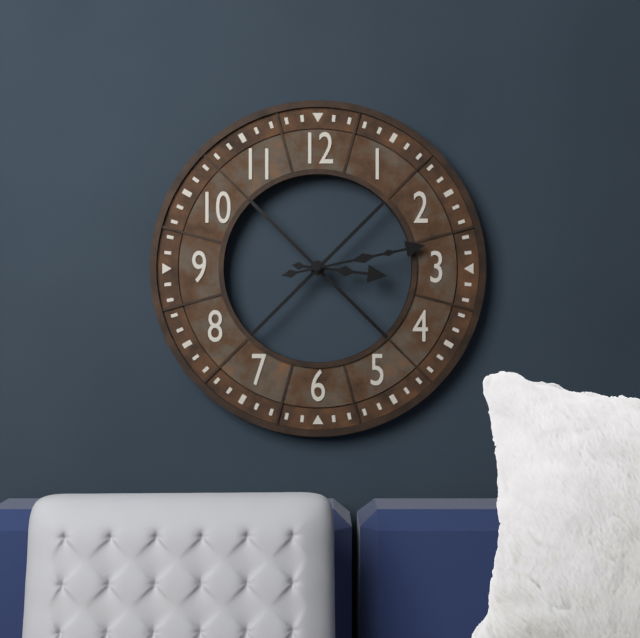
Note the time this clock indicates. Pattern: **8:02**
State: **3:13**
